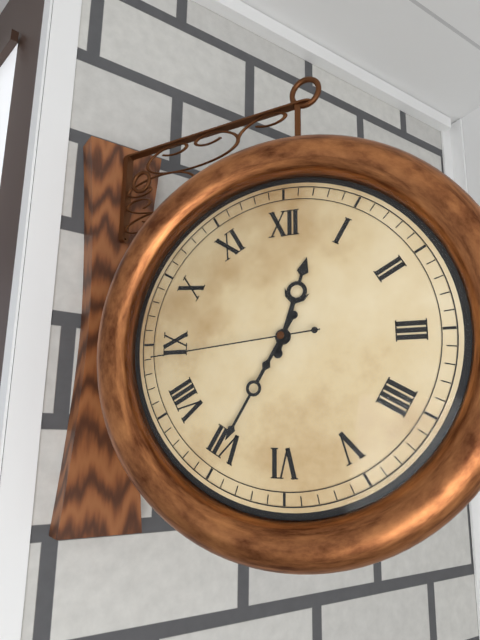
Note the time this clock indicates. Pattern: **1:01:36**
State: **12:35:44**
